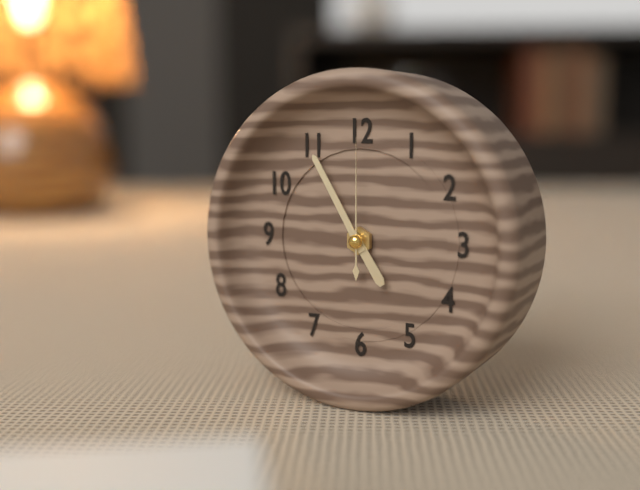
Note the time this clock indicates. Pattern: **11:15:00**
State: **4:55:00**
